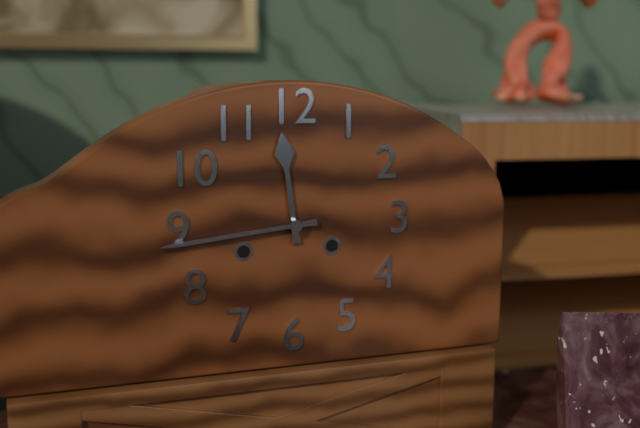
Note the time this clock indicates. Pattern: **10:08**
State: **11:44**
